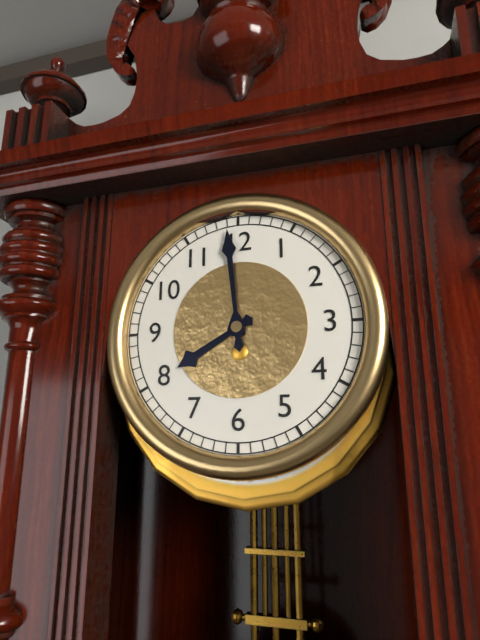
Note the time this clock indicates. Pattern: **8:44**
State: **7:59**
